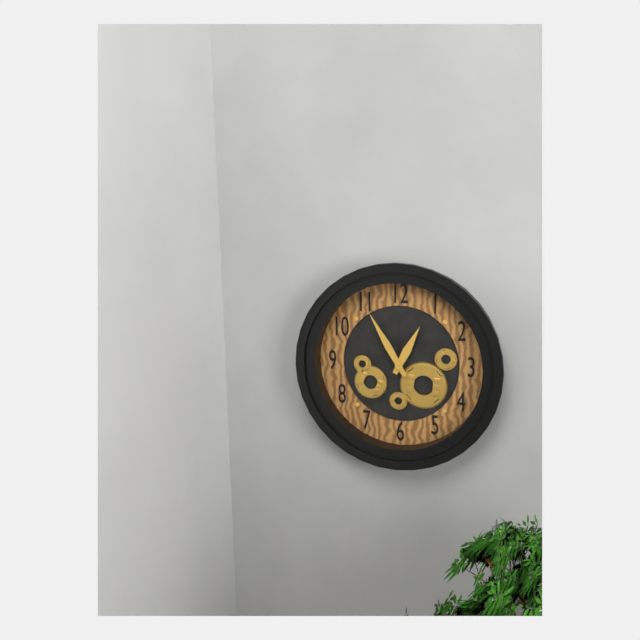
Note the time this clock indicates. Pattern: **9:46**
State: **12:55**
